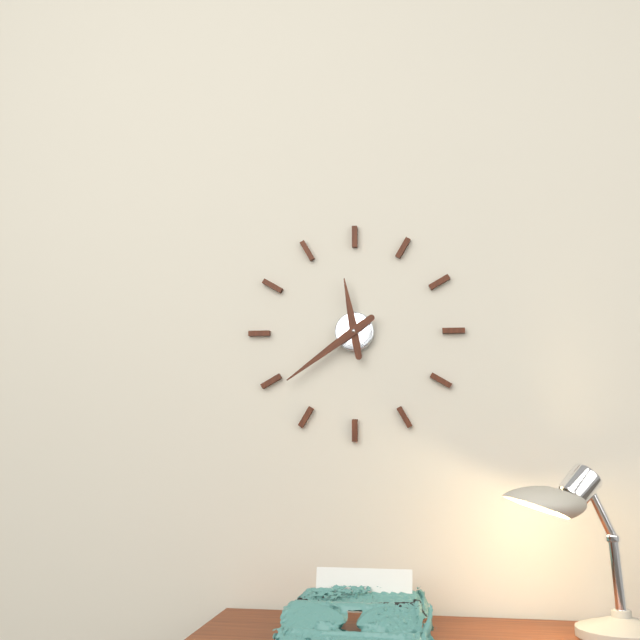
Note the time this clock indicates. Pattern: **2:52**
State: **11:39**
